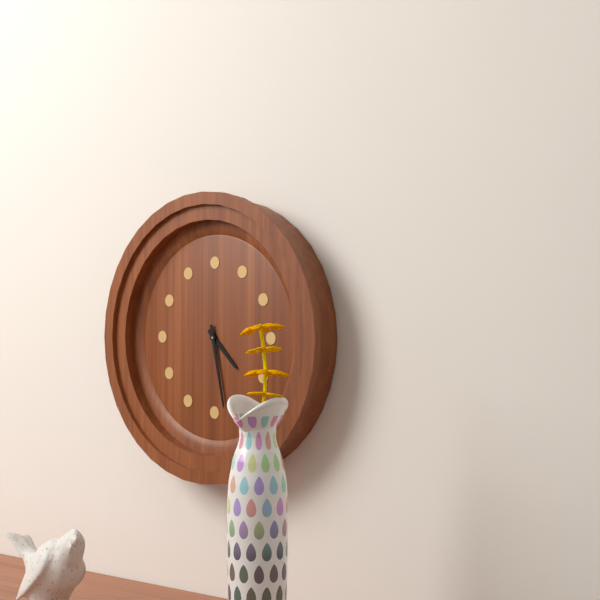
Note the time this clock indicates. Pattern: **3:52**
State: **4:28**
